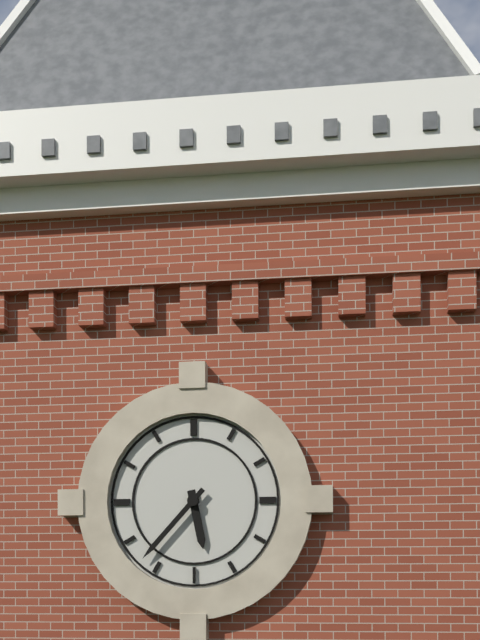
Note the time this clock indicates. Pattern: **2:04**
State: **5:37**
